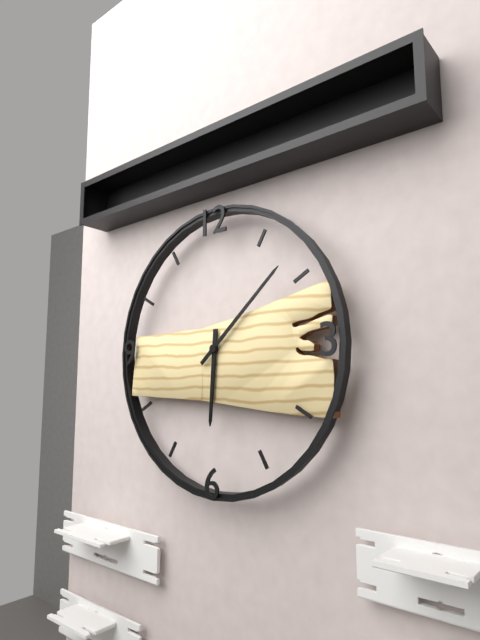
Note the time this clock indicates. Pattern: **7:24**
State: **6:08**
